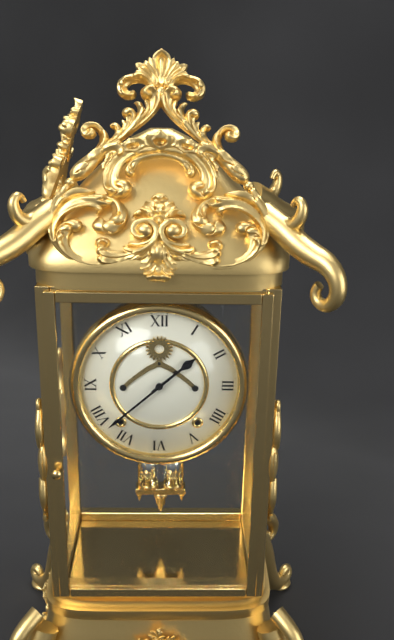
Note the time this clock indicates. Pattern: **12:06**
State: **1:38**
